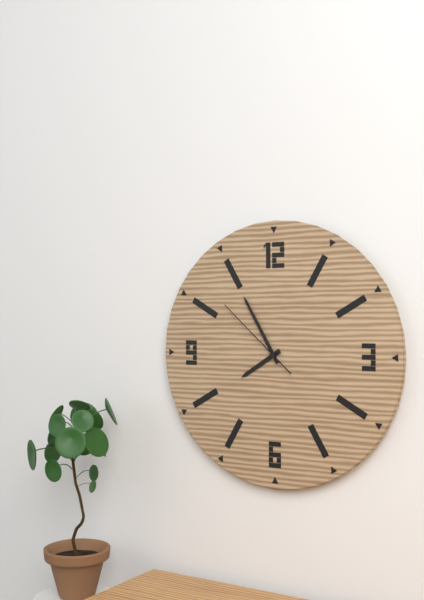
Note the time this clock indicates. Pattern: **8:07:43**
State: **7:55:52**
